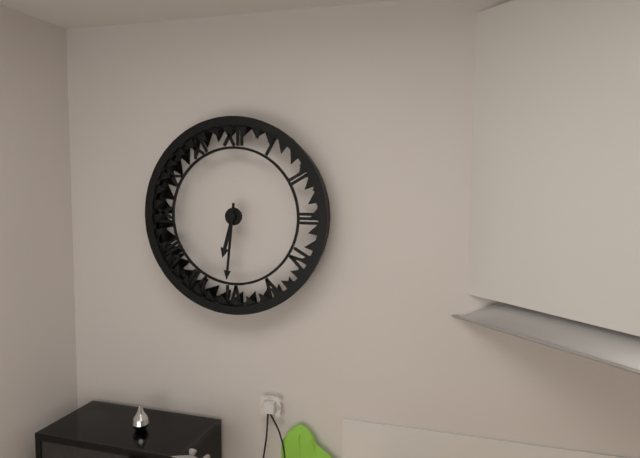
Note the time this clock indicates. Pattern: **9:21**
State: **6:31**
